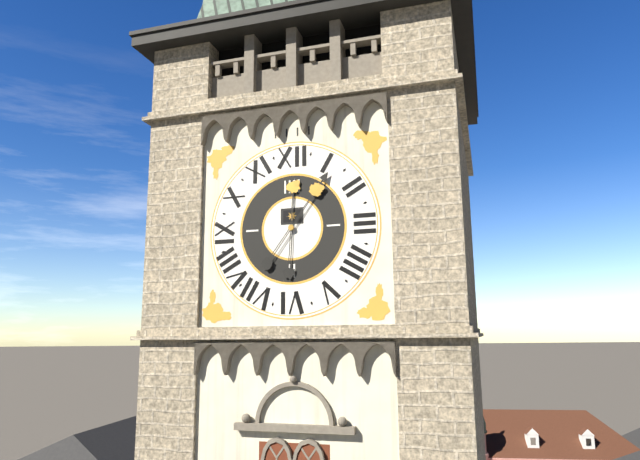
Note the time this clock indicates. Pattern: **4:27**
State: **12:06**
